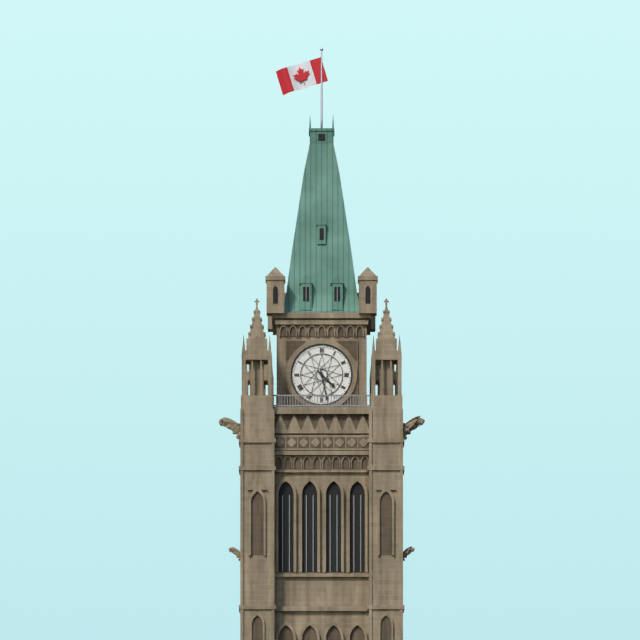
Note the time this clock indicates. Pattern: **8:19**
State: **4:28**
